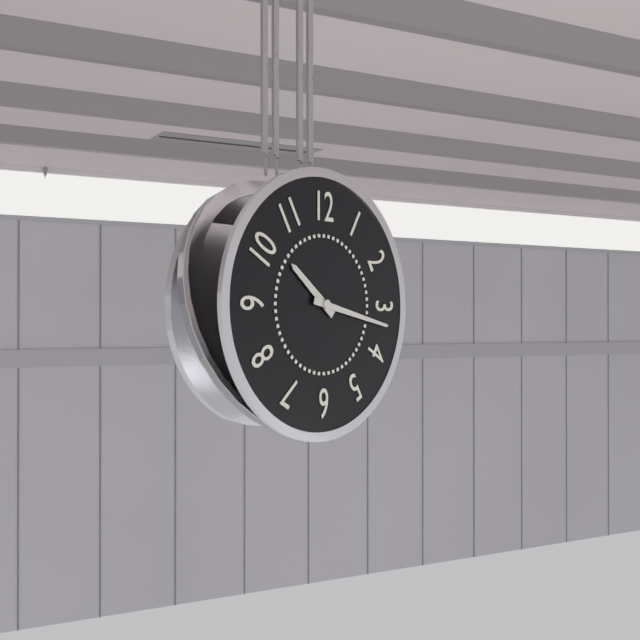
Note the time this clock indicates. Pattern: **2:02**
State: **10:17**
